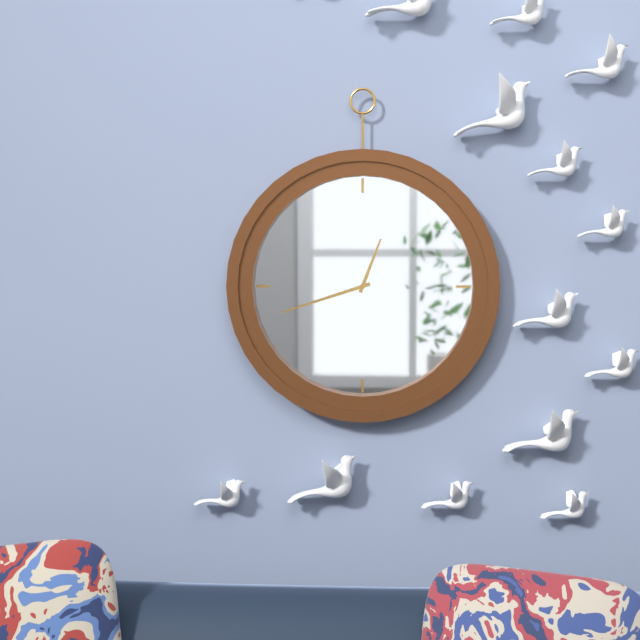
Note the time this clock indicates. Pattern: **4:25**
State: **12:42**
